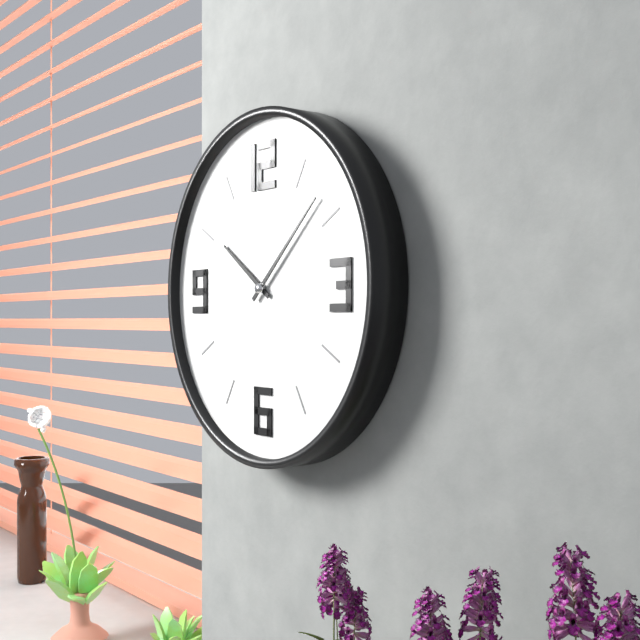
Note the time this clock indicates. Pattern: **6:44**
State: **10:08**
